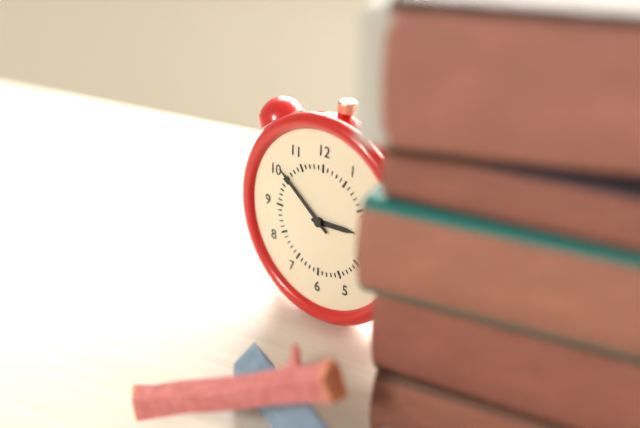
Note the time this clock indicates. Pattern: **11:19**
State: **2:51**
